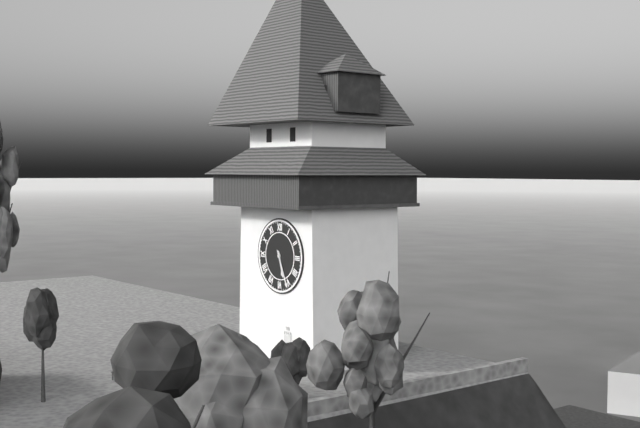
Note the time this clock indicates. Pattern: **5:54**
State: **5:26**
